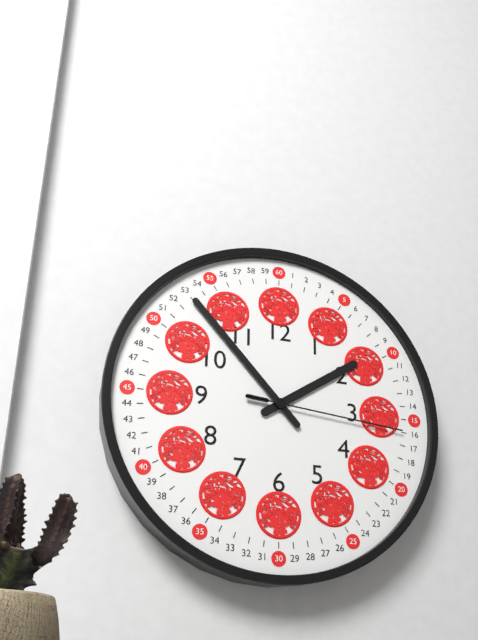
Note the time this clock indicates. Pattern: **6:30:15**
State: **1:53:16**
